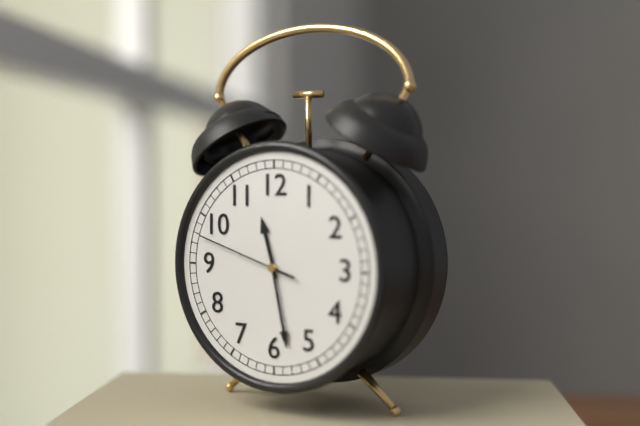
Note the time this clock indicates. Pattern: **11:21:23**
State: **11:28:48**
